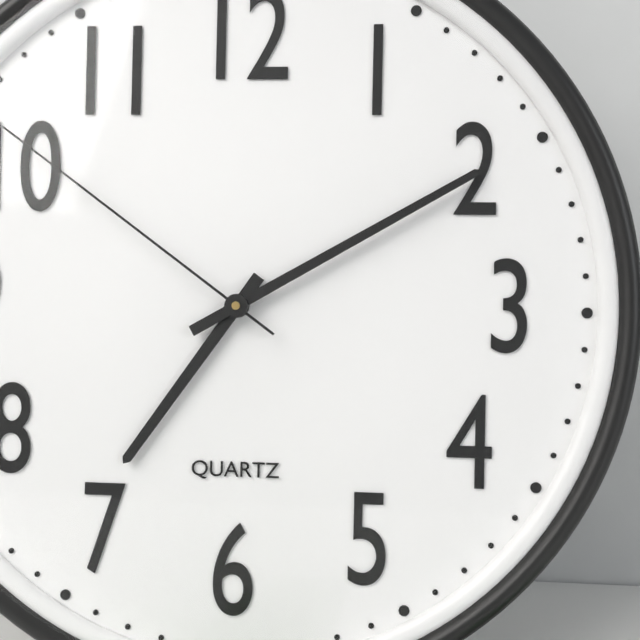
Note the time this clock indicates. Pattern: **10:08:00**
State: **7:10:51**
